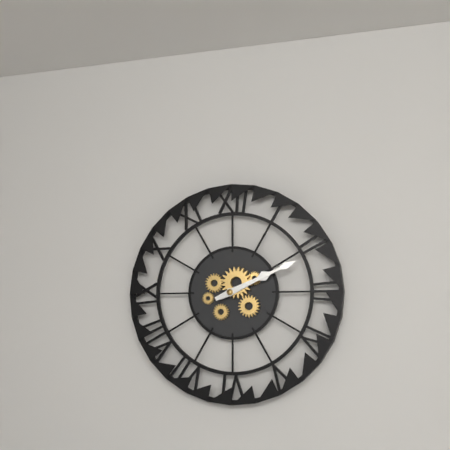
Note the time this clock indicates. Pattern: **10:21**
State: **2:11**
